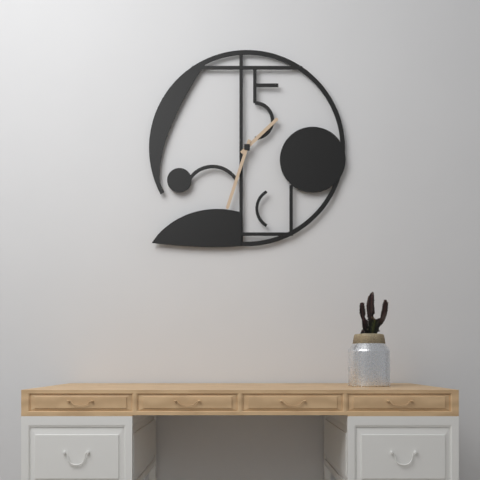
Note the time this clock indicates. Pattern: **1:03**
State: **1:33**
